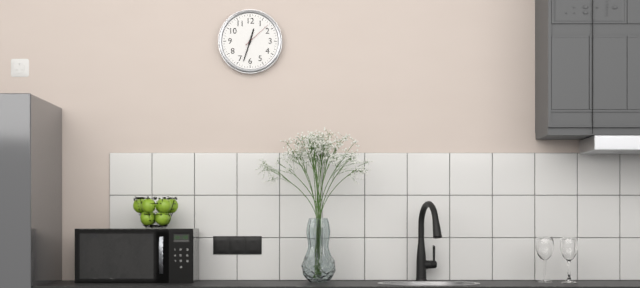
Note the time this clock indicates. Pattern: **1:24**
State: **12:33**
